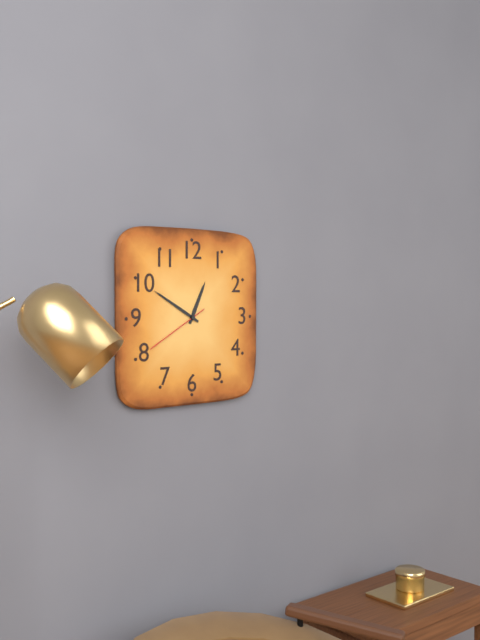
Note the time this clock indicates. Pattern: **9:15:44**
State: **12:50:40**
